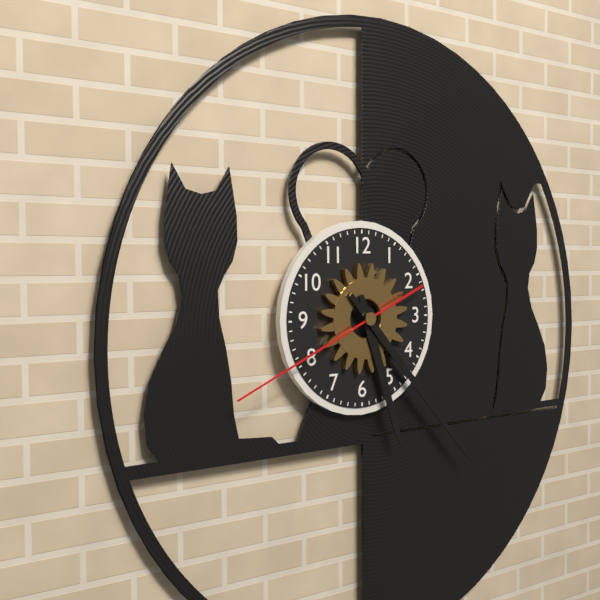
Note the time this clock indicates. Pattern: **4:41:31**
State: **5:23:41**
